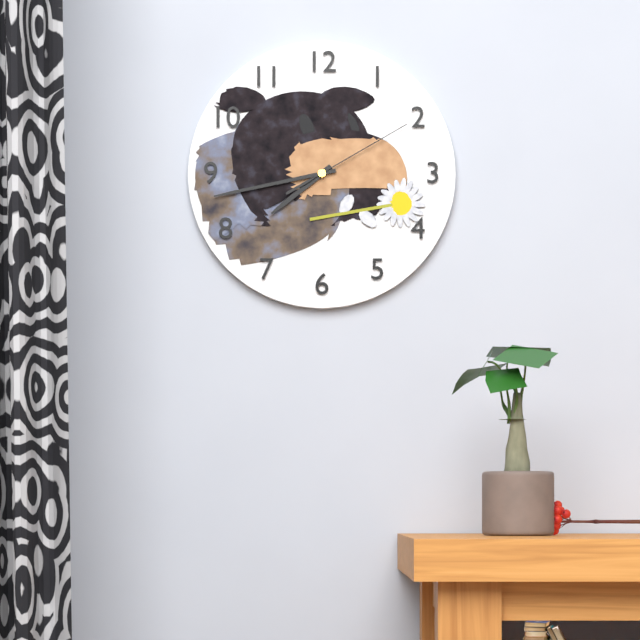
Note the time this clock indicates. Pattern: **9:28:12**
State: **7:43:10**
